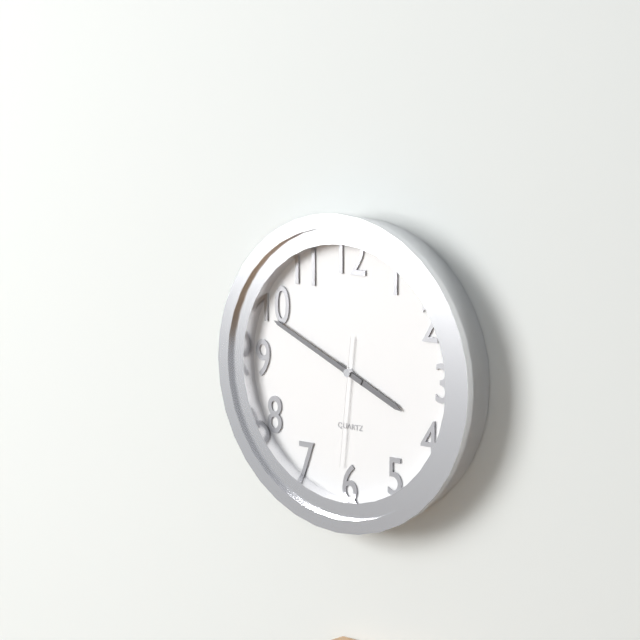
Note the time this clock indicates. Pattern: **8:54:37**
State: **3:49:31**
